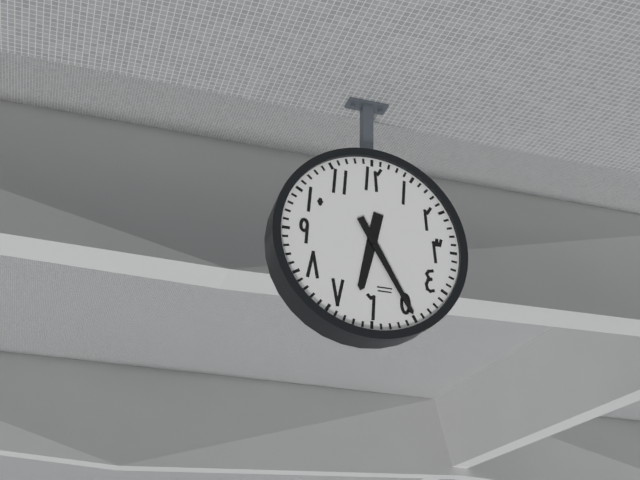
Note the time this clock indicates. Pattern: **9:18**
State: **6:25**
